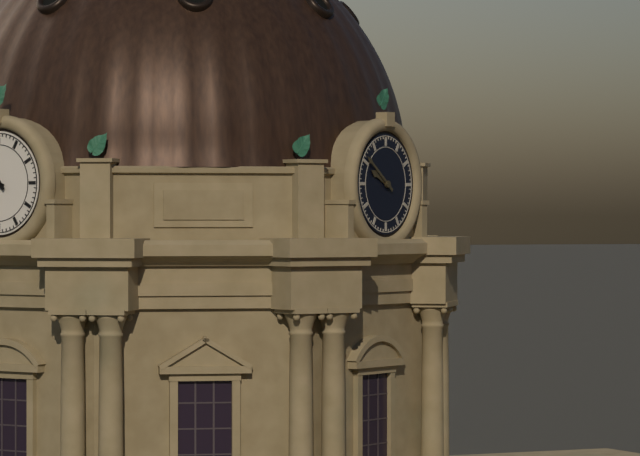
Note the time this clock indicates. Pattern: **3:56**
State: **9:51**
